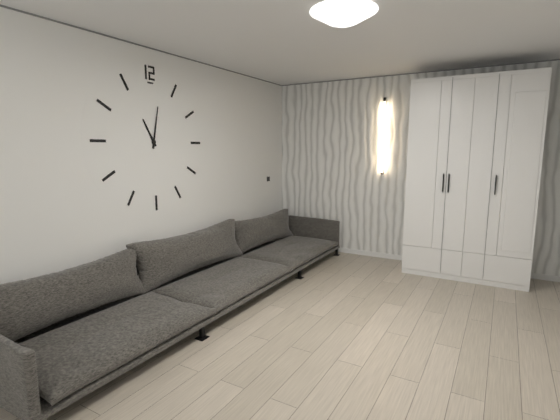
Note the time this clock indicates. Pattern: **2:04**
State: **11:02**
